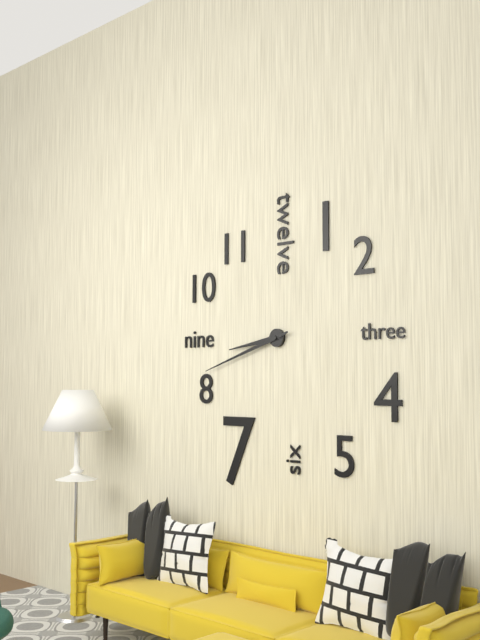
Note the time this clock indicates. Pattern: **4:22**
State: **8:42**
